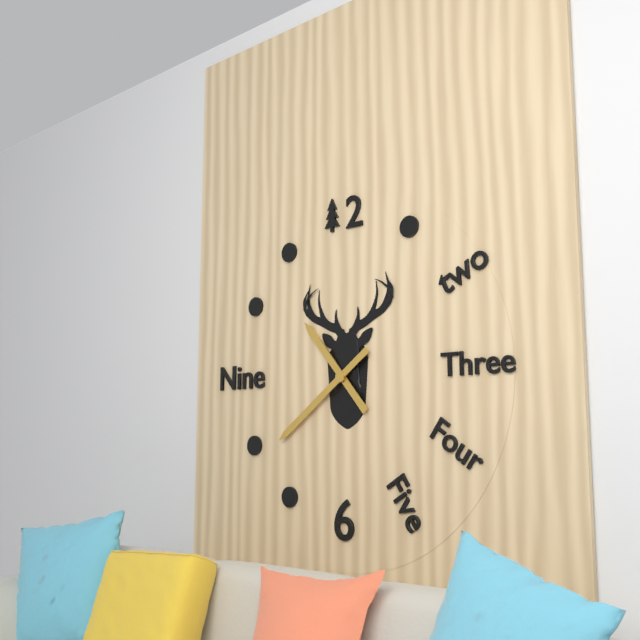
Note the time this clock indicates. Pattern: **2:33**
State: **10:39**
